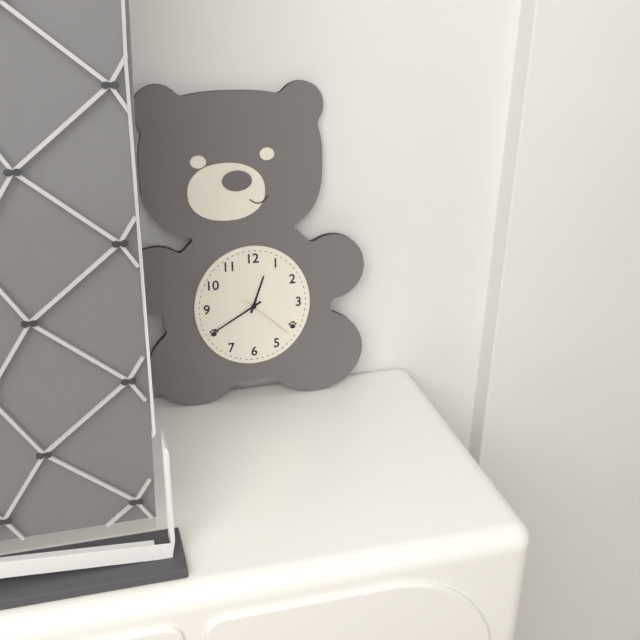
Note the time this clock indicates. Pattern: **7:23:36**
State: **12:40:22**
